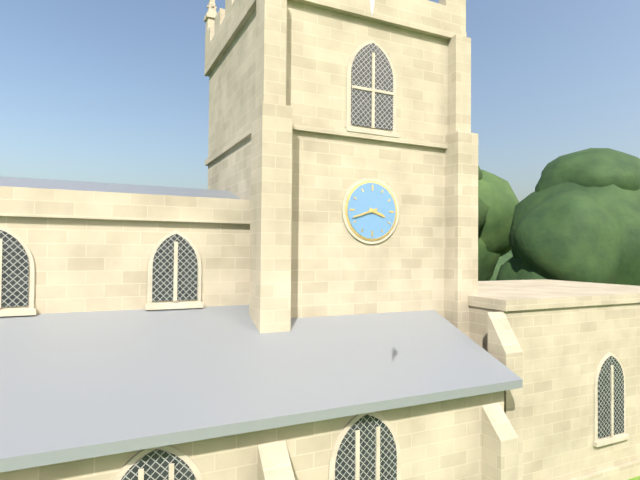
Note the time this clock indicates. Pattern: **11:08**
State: **3:42**
